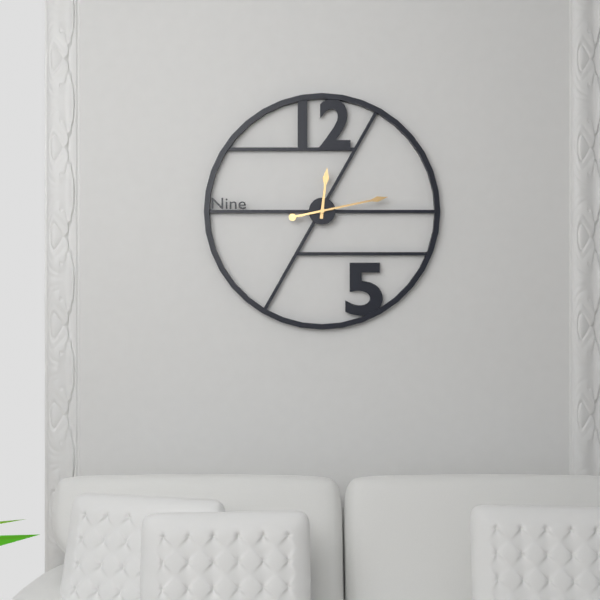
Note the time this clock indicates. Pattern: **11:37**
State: **12:13**
